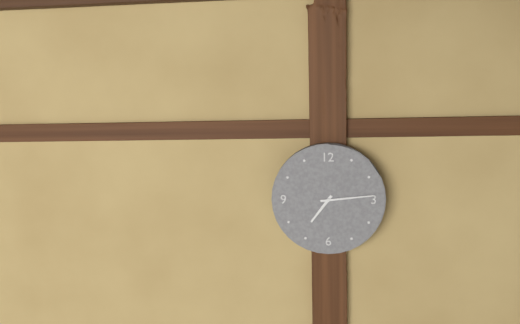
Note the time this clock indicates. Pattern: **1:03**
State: **7:14**
